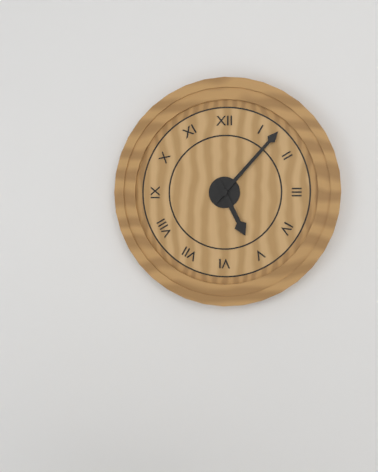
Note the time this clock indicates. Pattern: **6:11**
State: **5:07**
